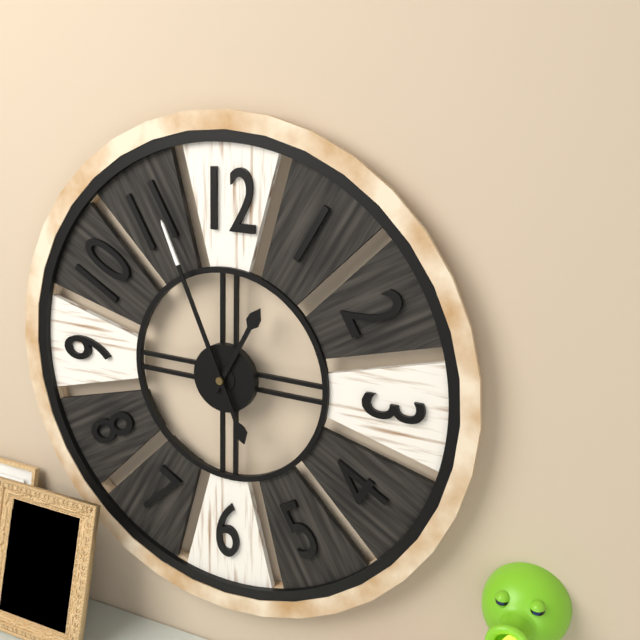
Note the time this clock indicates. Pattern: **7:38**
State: **12:56**
